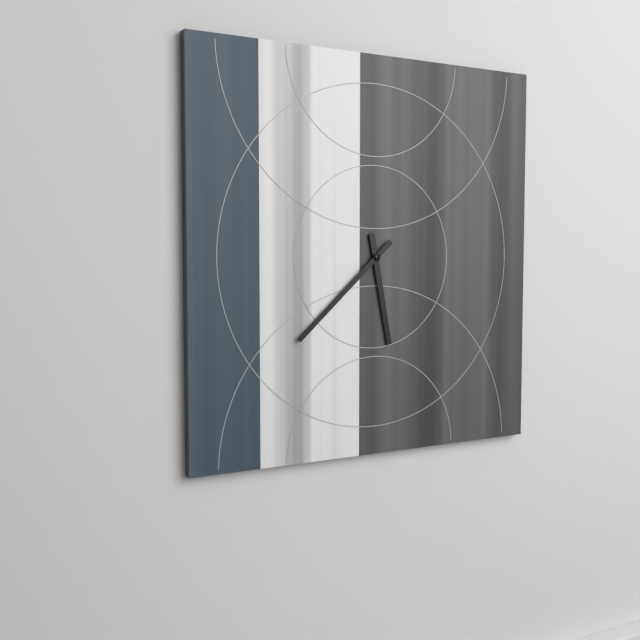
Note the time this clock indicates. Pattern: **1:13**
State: **5:38**
